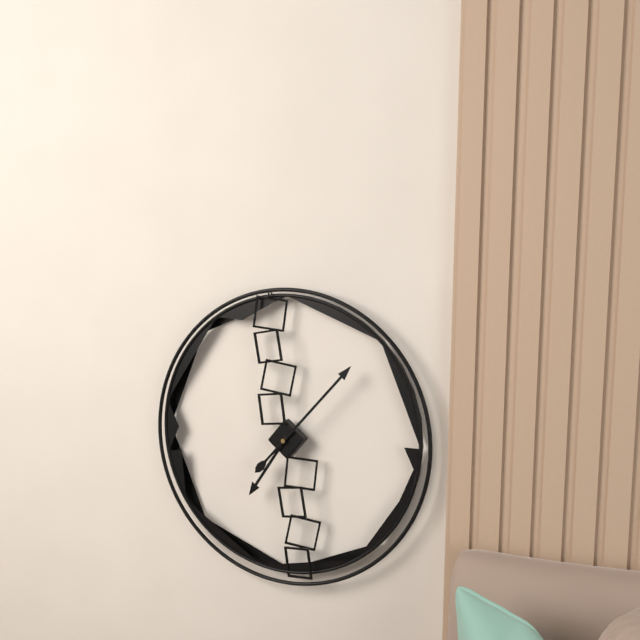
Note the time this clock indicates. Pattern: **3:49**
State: **7:07**
